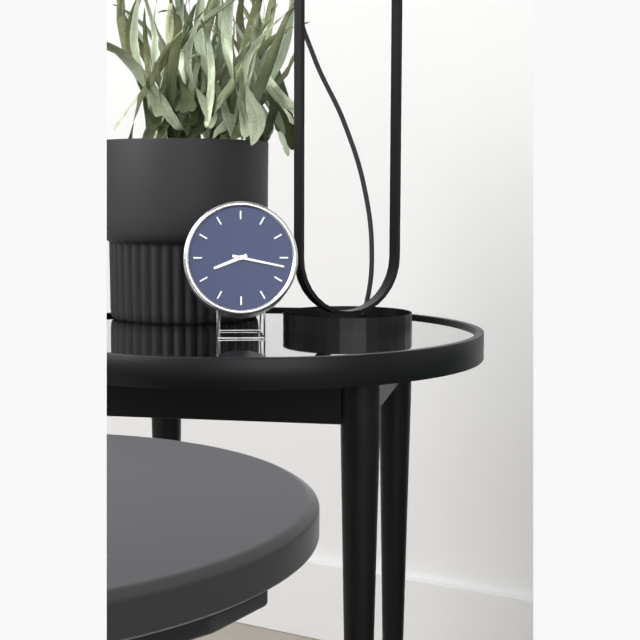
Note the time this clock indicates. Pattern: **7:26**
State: **8:17**
